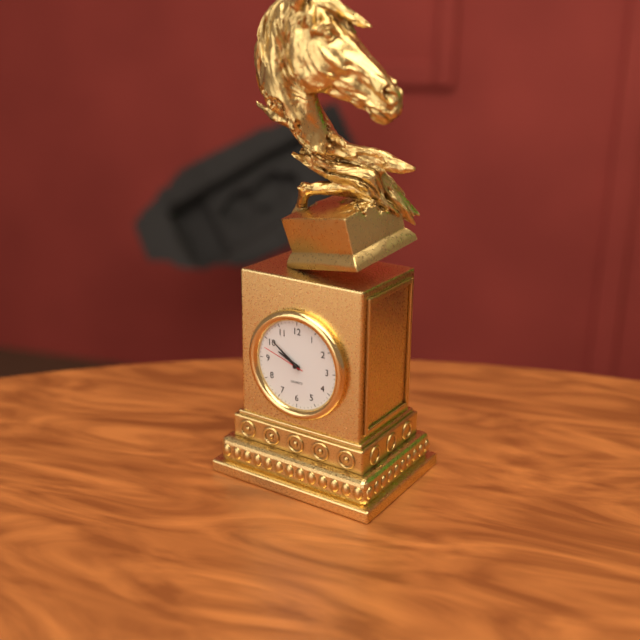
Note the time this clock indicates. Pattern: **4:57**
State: **9:51**
